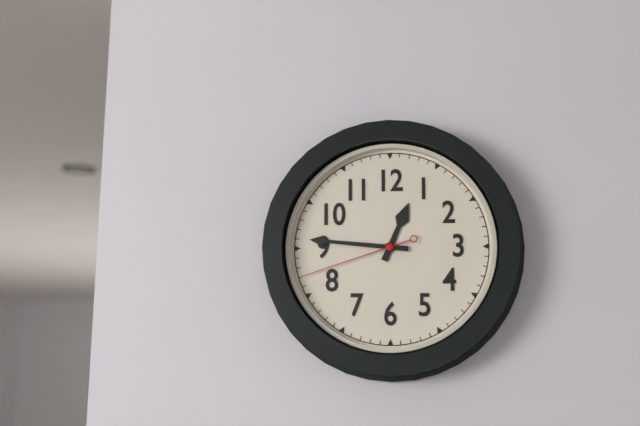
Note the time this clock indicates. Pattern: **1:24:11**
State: **12:46:42**
